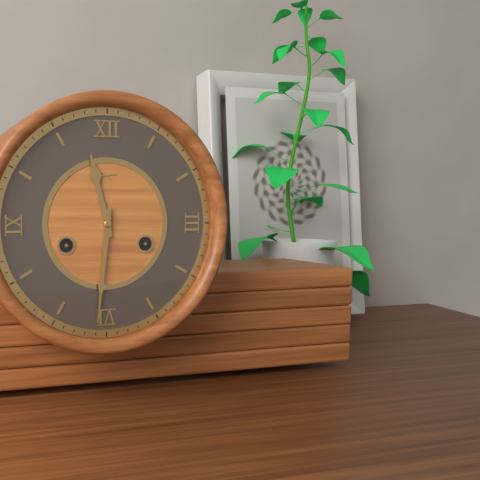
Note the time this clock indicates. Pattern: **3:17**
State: **11:31**
